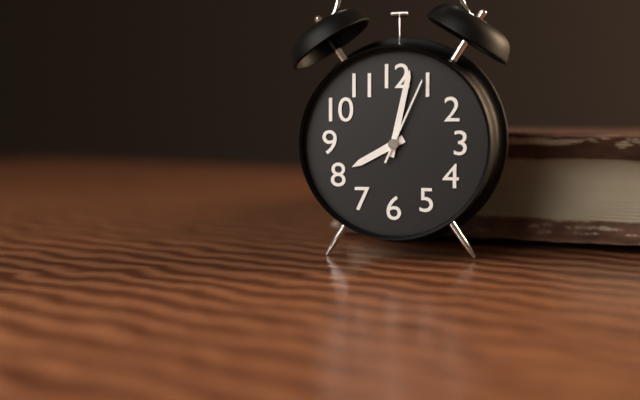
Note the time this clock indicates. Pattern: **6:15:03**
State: **8:02:04**
